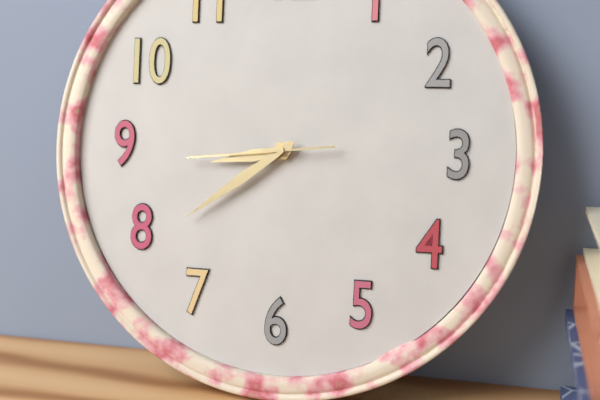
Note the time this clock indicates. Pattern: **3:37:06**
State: **8:39:44**
